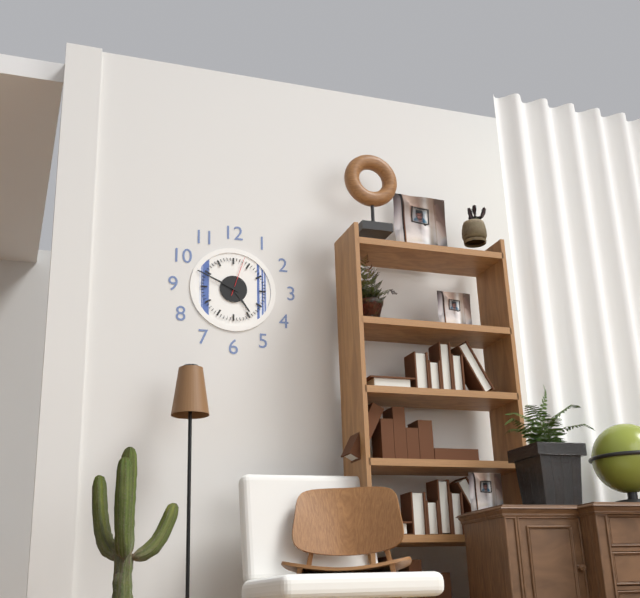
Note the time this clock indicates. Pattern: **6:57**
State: **4:49**
